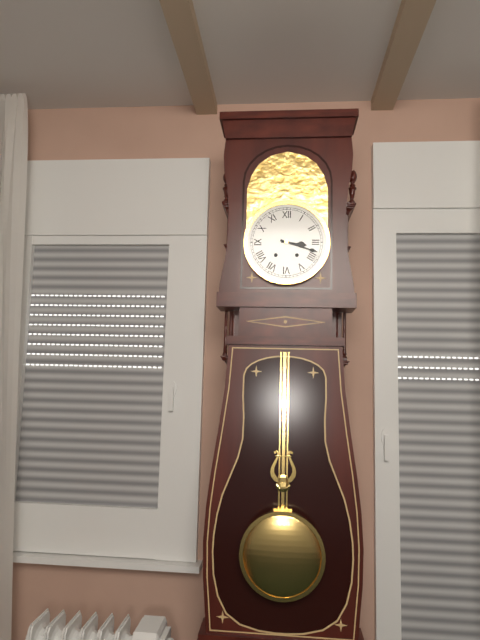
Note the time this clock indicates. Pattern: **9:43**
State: **3:18**
